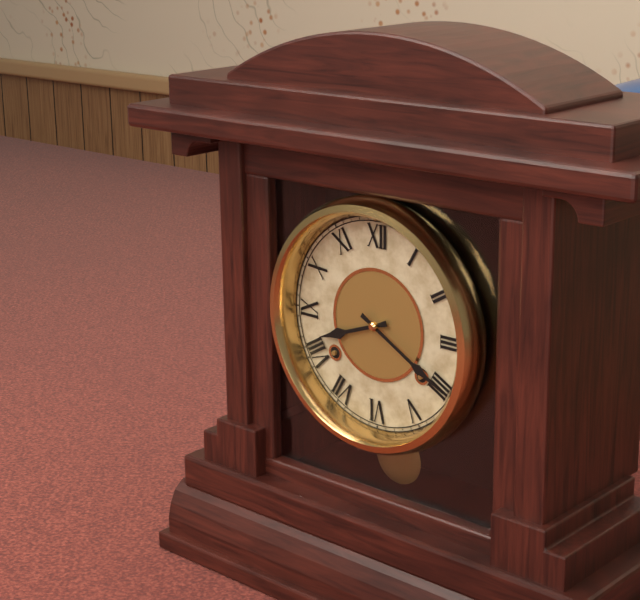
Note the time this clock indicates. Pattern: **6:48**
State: **8:20**
